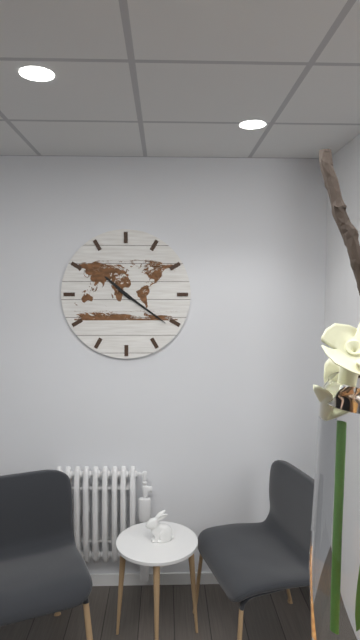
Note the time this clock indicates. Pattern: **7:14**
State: **10:21**
